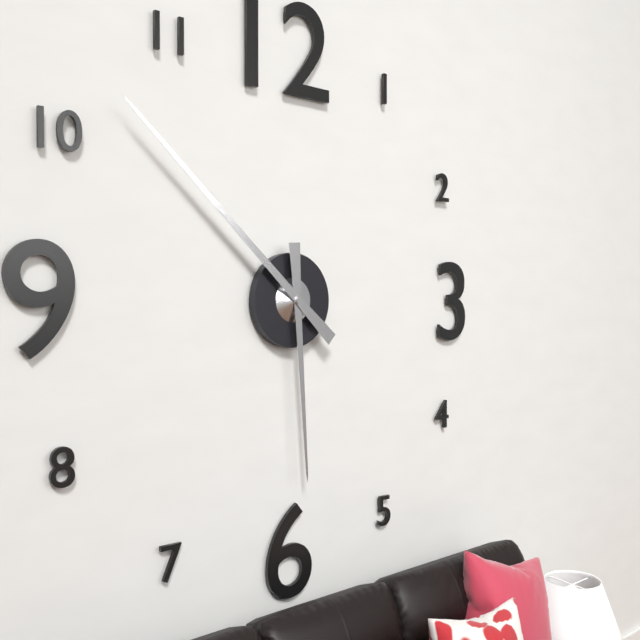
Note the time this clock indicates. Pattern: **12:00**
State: **5:52**
